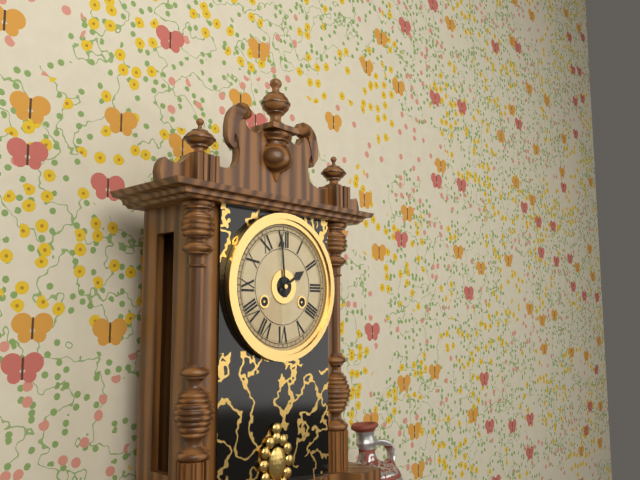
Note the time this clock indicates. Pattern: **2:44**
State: **1:59**
